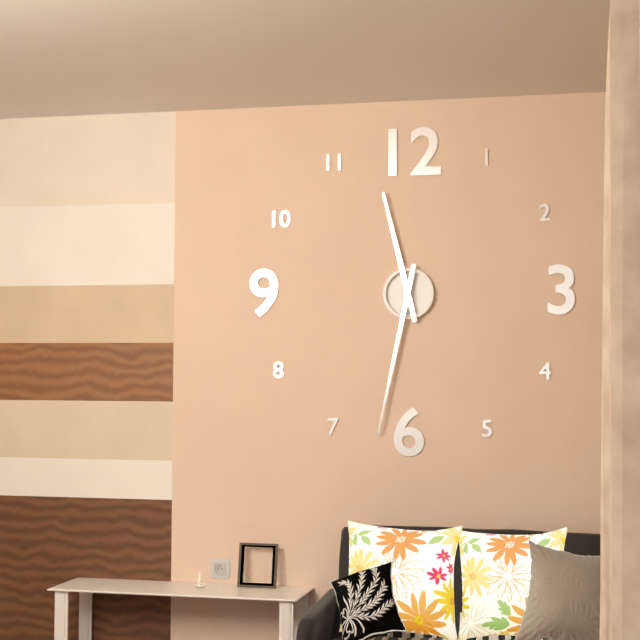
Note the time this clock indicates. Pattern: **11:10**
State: **11:32**
